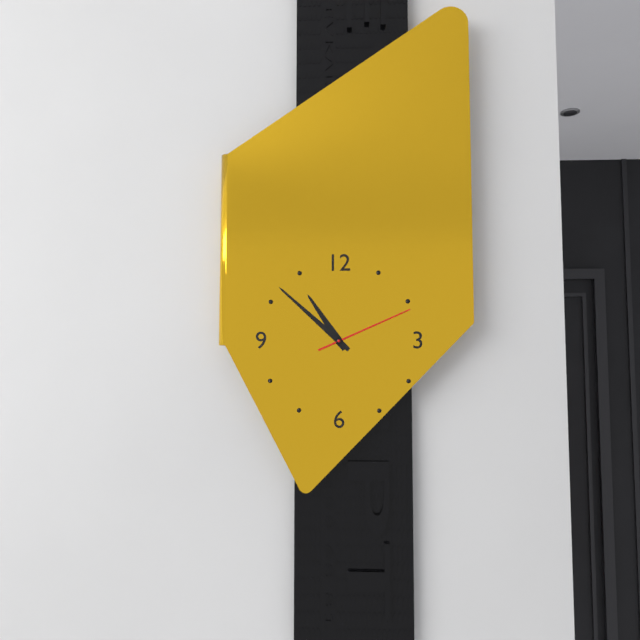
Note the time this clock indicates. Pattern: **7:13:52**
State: **10:52:11**
